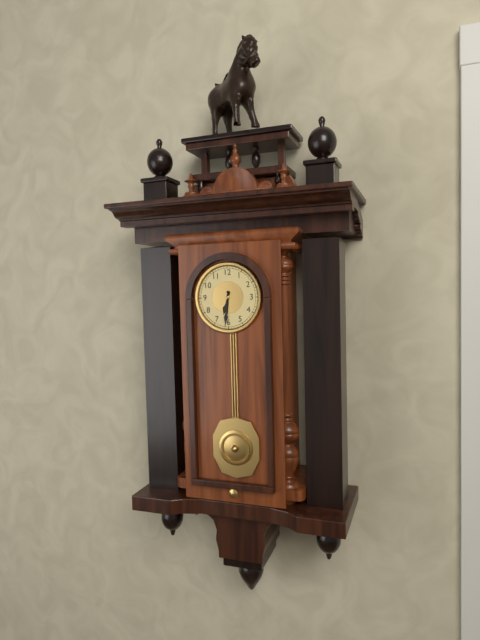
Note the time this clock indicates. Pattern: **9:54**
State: **6:31**
